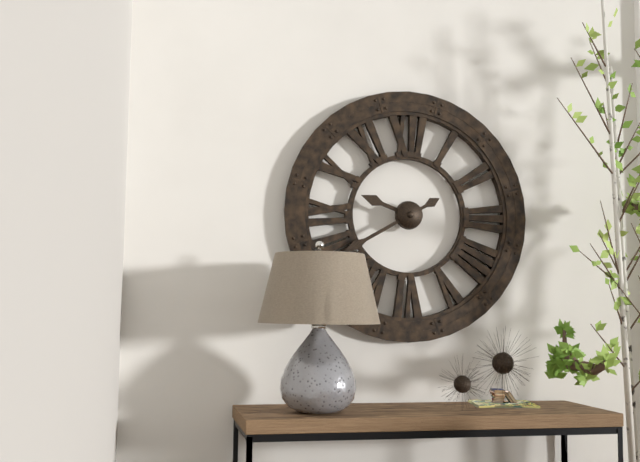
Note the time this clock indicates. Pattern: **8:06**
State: **9:40**
